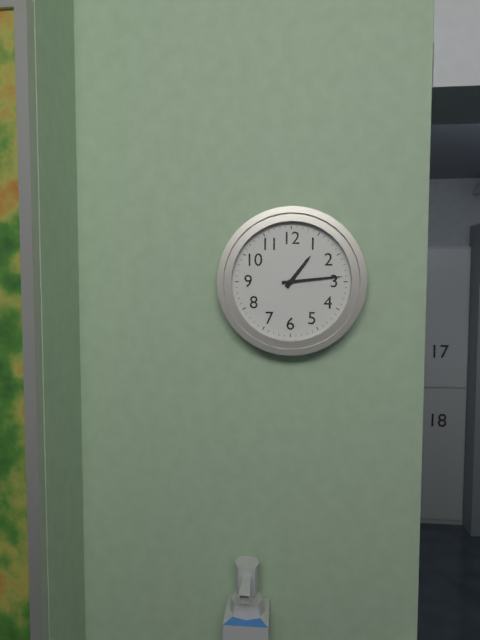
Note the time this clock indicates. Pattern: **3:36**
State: **1:14**
